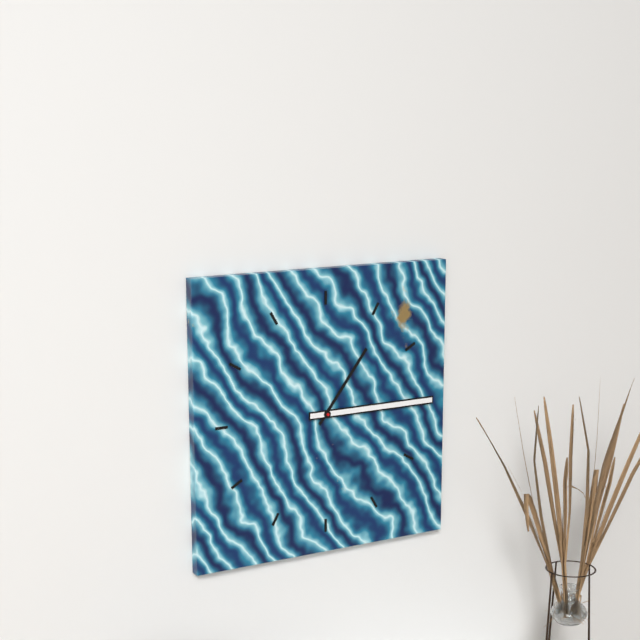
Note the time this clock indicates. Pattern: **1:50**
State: **1:15**
